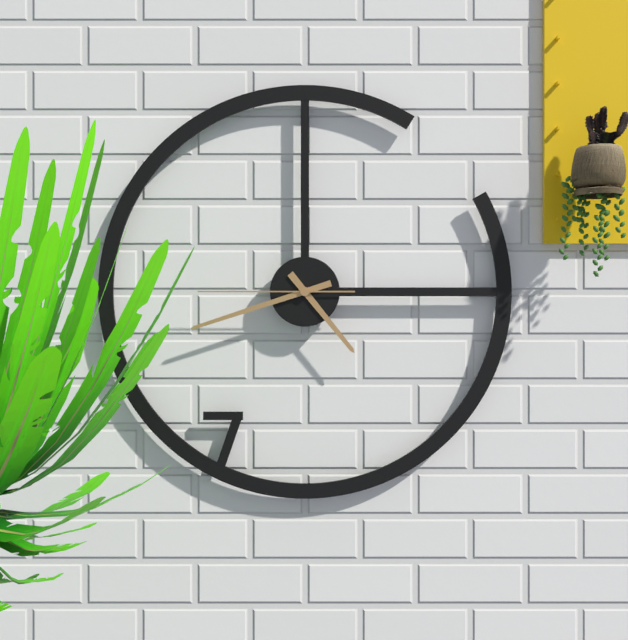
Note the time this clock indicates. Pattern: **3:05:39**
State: **4:42:45**
